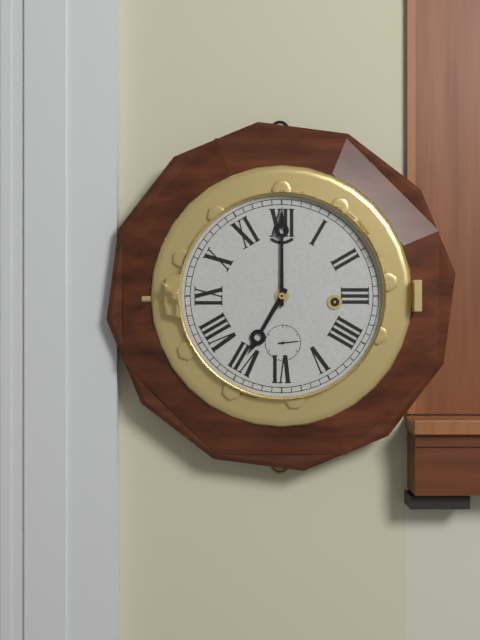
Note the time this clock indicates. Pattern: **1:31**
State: **7:00**
